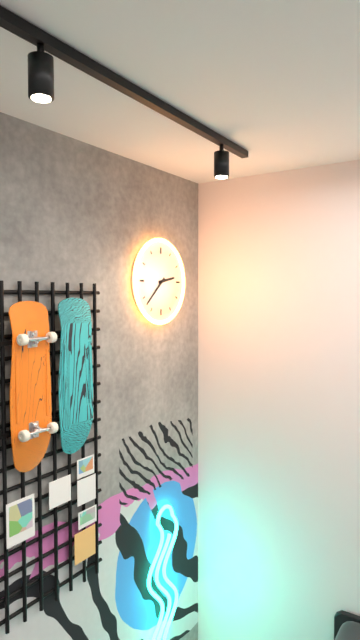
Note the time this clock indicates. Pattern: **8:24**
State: **2:38**
